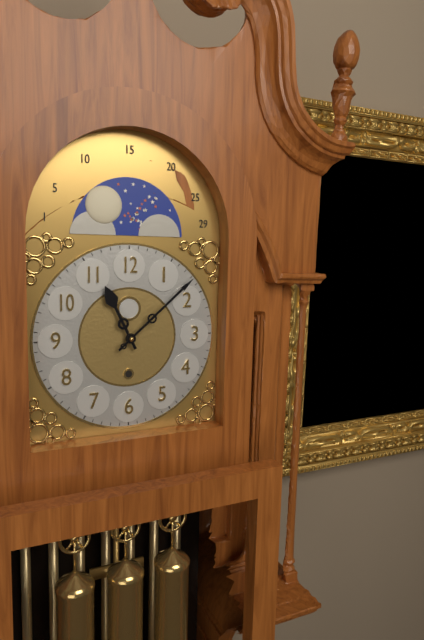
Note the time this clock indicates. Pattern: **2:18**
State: **11:08**
